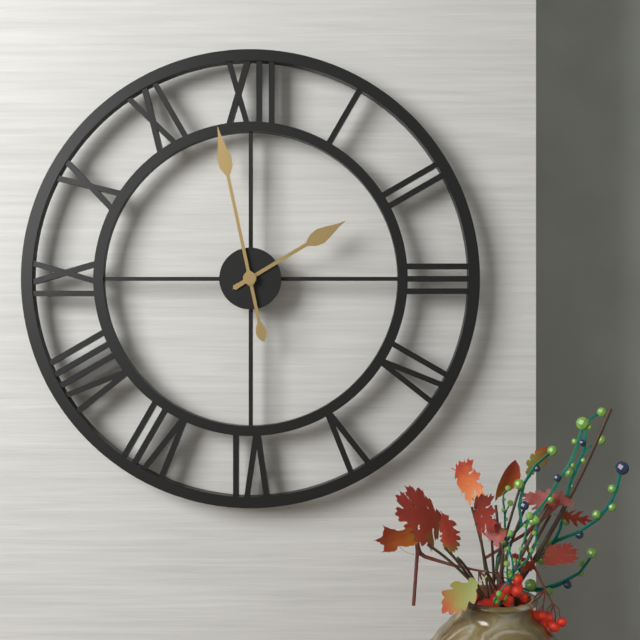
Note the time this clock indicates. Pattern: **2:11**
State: **1:58**
